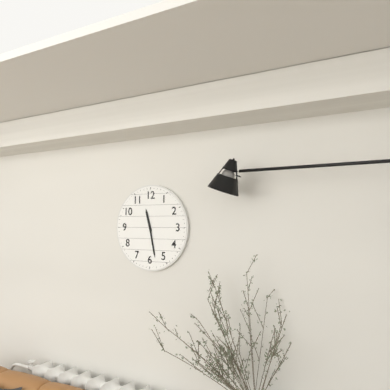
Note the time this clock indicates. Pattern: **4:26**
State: **11:28**
